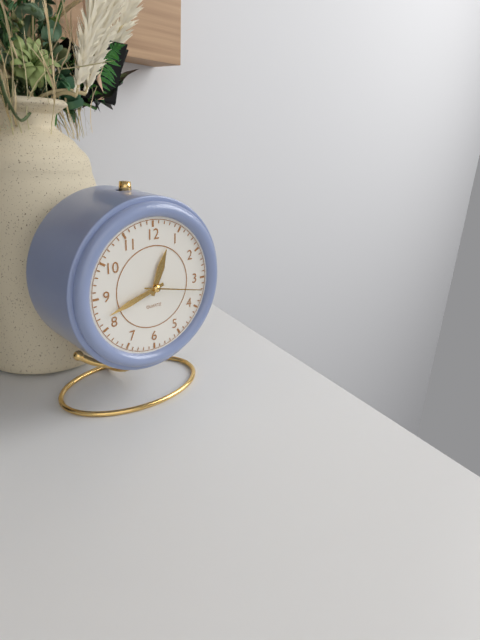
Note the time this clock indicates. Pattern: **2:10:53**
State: **12:42:17**
